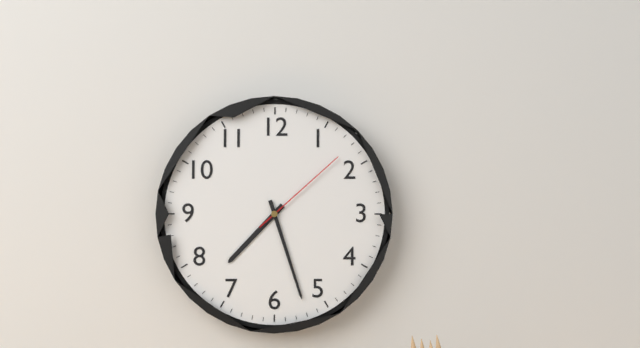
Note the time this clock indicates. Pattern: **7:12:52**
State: **7:27:08**
